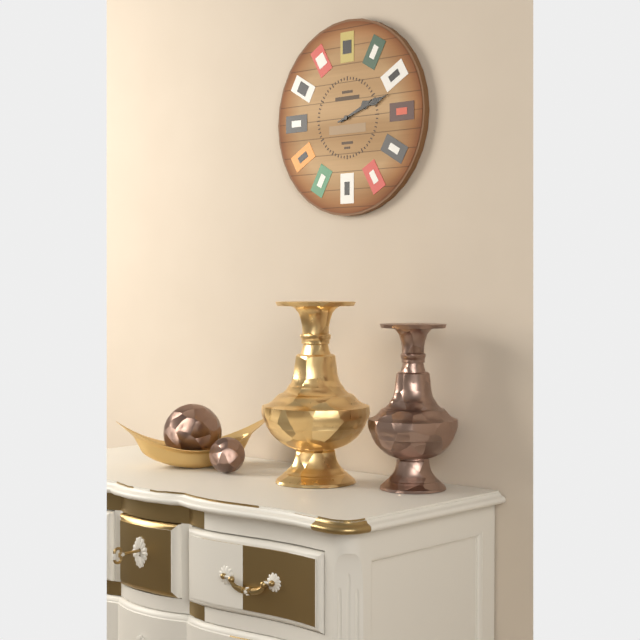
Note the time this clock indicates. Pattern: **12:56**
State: **2:12**
